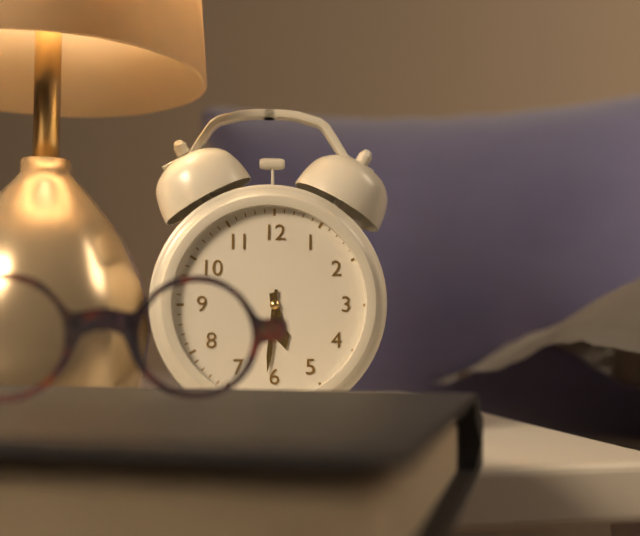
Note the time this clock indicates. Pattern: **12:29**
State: **5:31**
